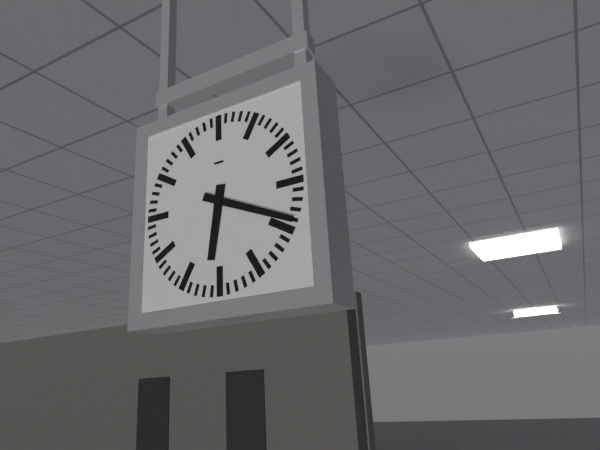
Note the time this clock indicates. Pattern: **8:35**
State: **6:19**
